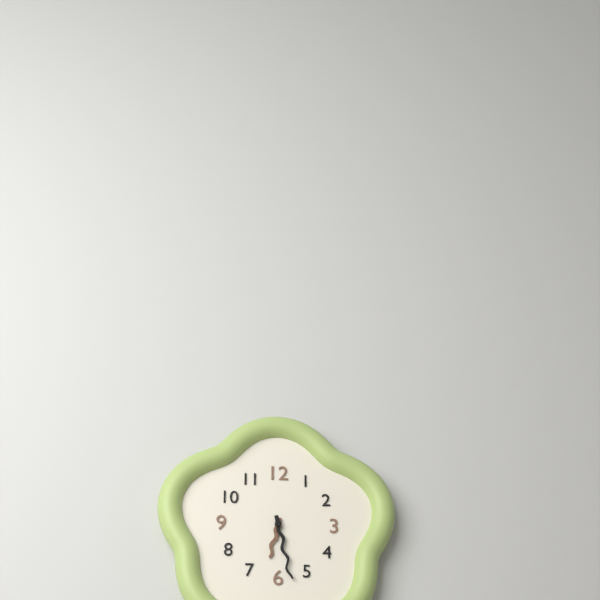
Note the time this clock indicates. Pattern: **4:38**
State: **6:28**
